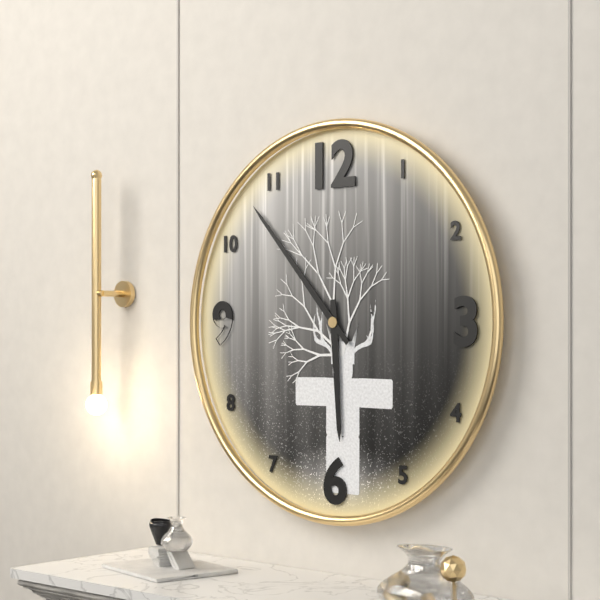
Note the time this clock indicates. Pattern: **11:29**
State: **5:53**
